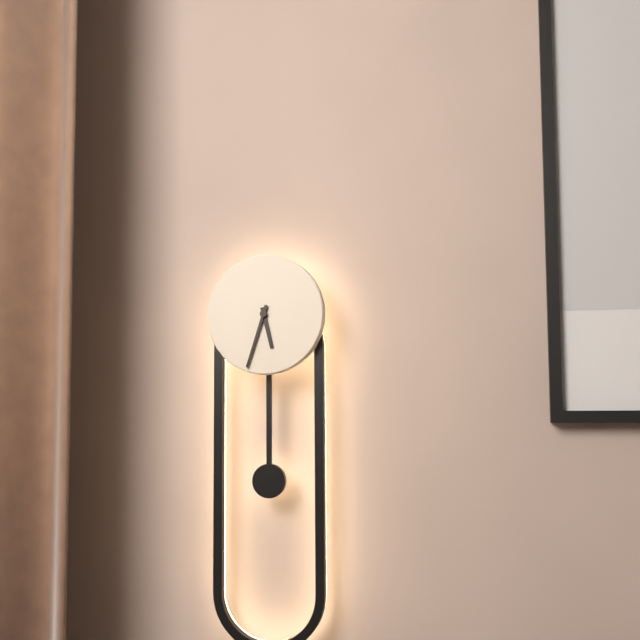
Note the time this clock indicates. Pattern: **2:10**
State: **5:33**
